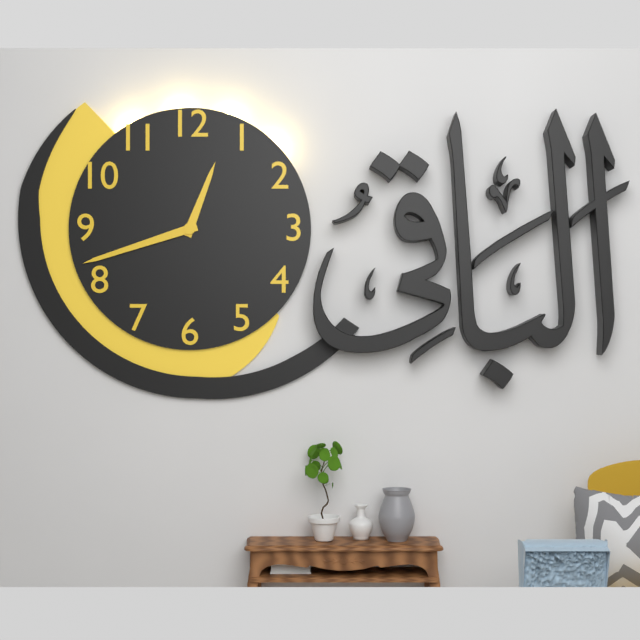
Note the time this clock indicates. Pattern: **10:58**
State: **12:42**
